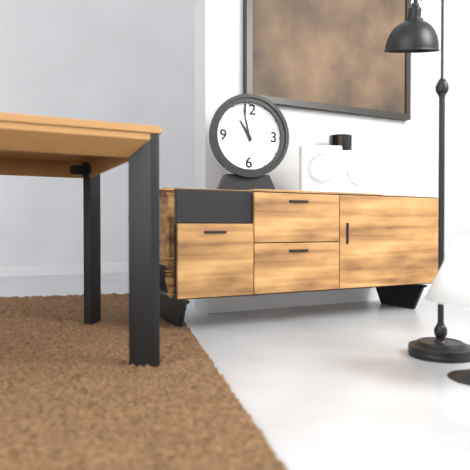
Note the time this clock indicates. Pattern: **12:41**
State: **10:58**
